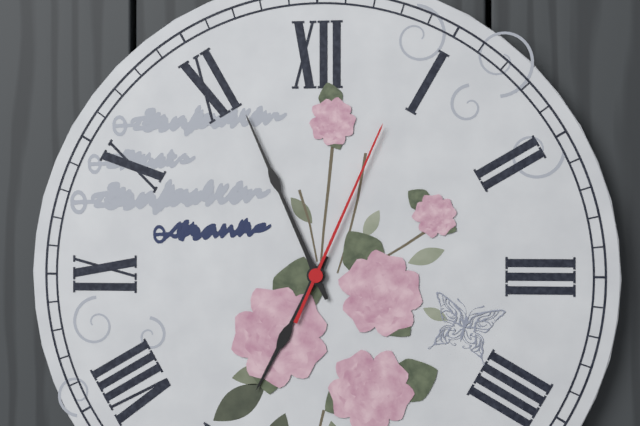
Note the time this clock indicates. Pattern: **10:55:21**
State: **6:56:04**
